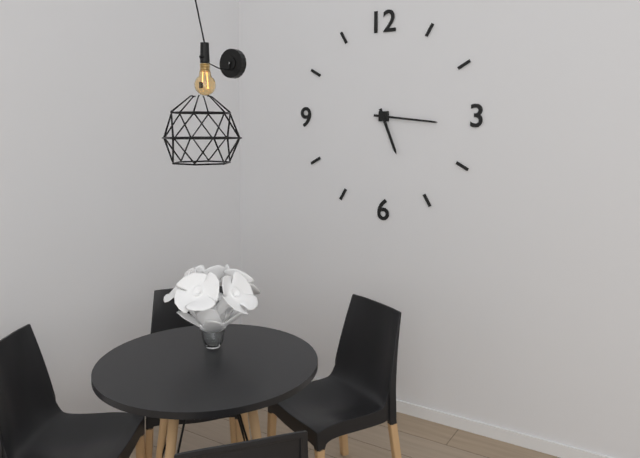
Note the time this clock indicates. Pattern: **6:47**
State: **5:16**
